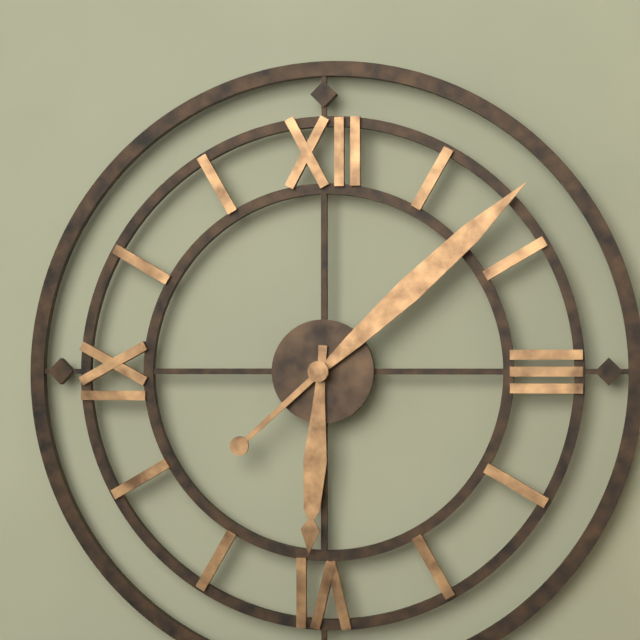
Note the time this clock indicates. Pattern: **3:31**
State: **6:08**
